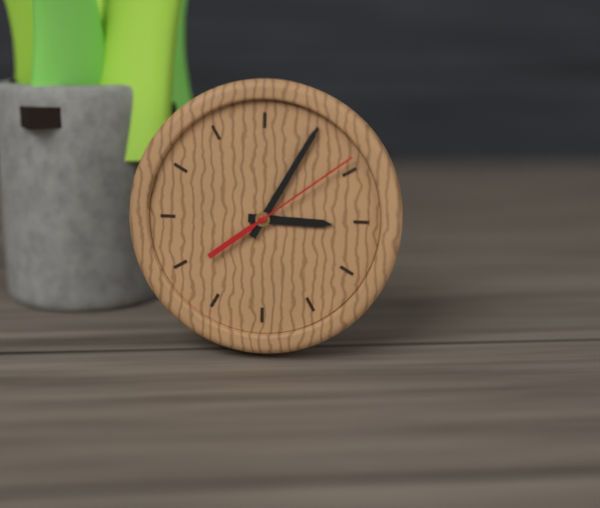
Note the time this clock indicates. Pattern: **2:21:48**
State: **3:05:09**
